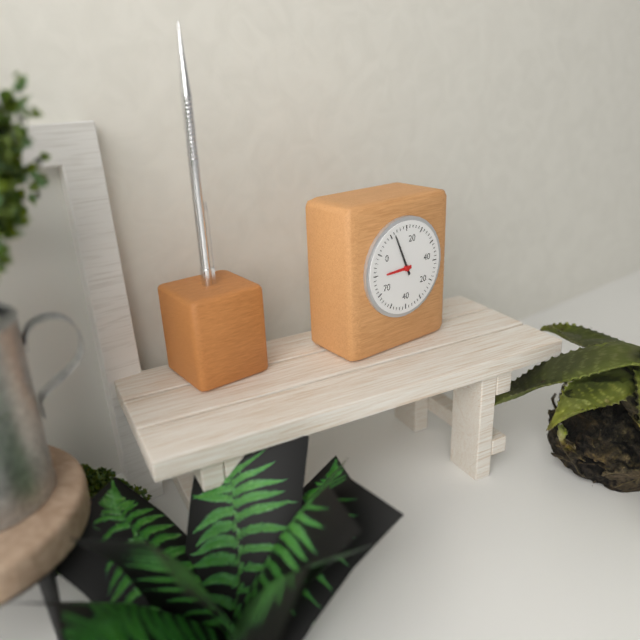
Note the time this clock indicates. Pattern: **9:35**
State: **8:56**
